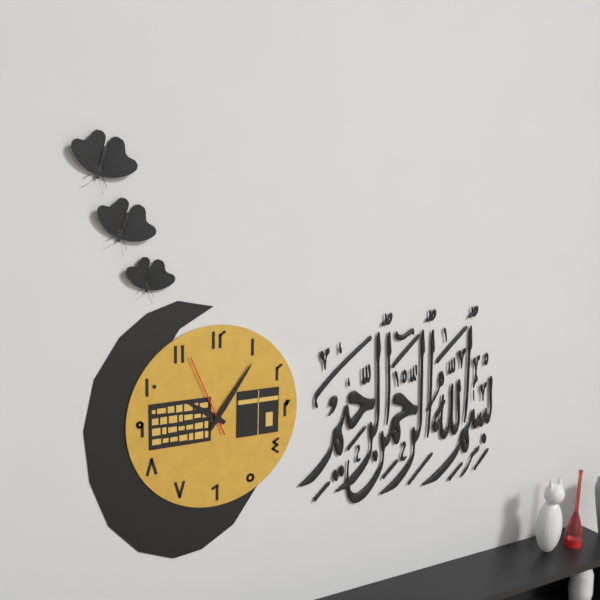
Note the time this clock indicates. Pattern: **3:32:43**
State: **10:06:56**
